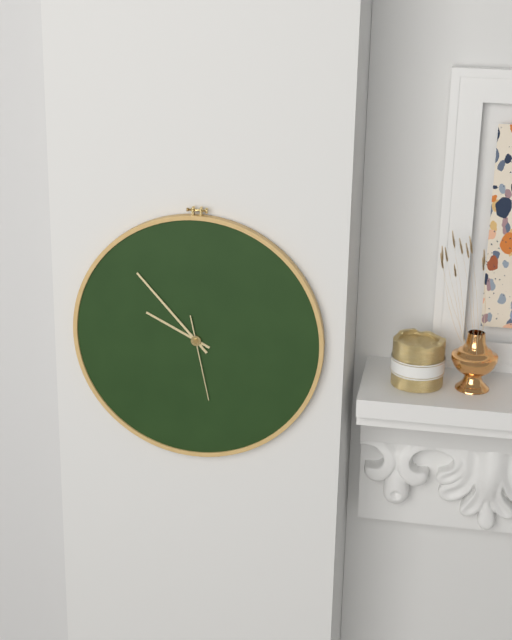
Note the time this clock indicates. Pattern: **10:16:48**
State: **9:53:28**
